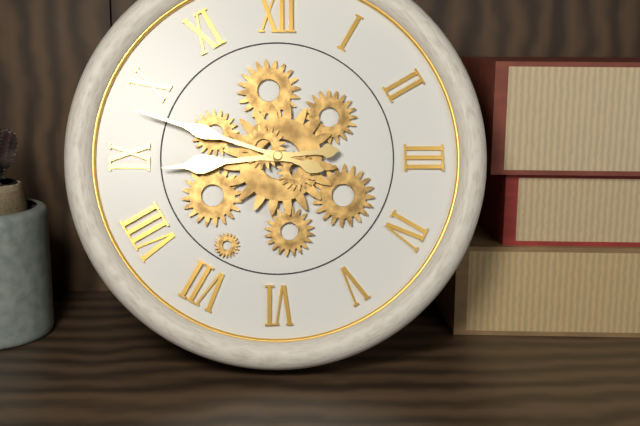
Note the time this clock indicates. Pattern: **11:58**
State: **8:48**
